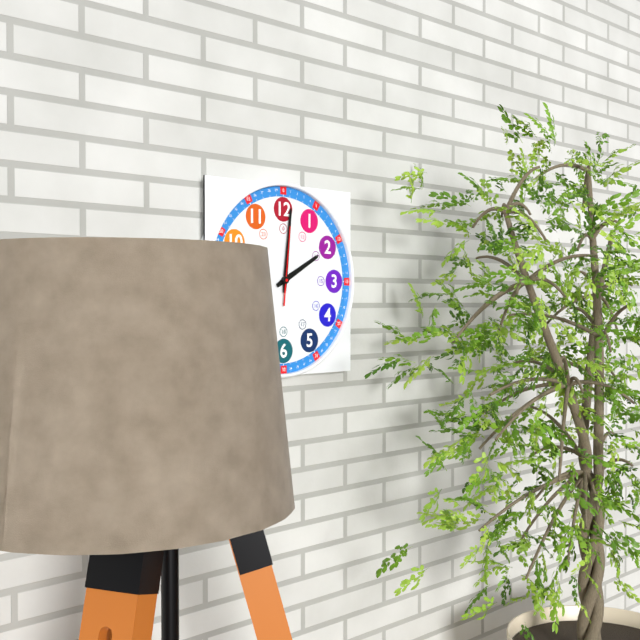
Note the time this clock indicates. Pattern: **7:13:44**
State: **2:01:01**
